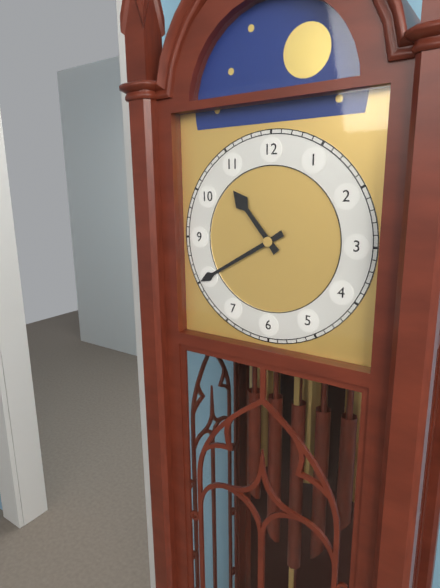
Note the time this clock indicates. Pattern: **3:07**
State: **10:40**
